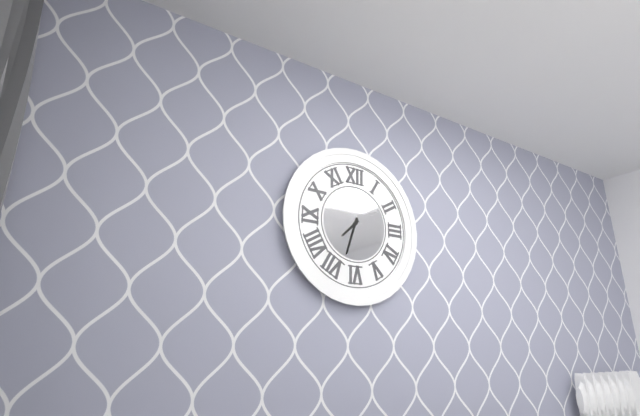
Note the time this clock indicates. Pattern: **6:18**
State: **7:33**
